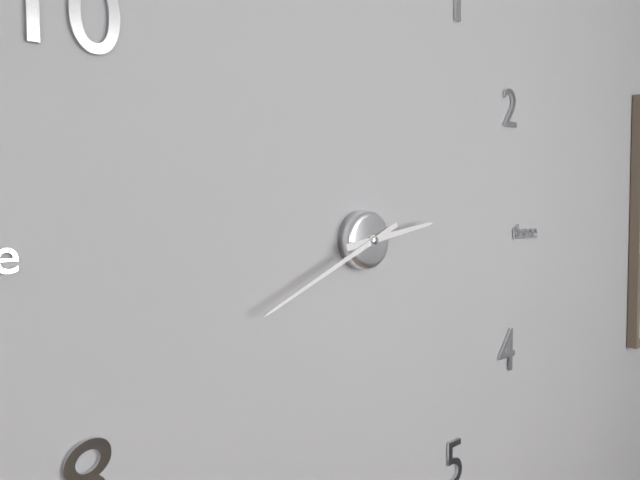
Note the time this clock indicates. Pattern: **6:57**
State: **2:41**
